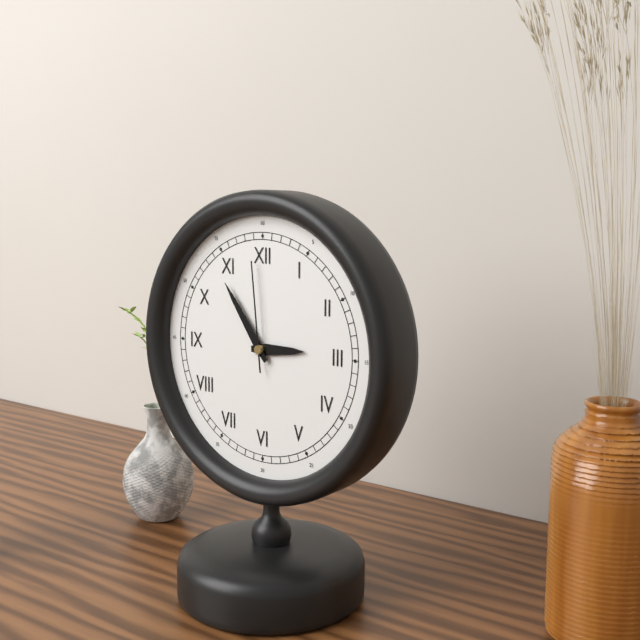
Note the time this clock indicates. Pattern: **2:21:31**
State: **2:54:59**
